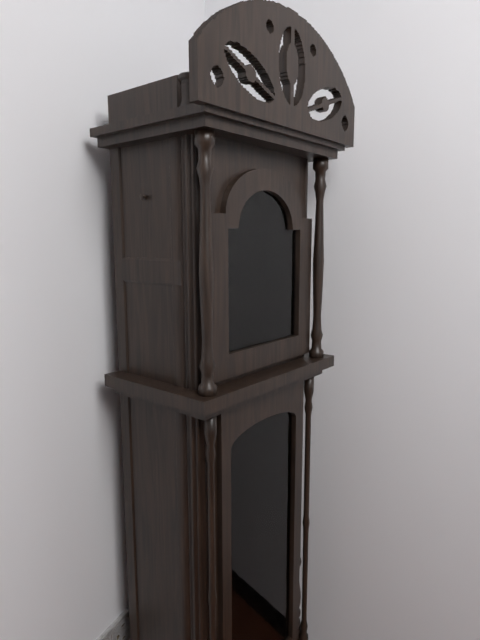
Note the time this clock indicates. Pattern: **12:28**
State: **12:30**
